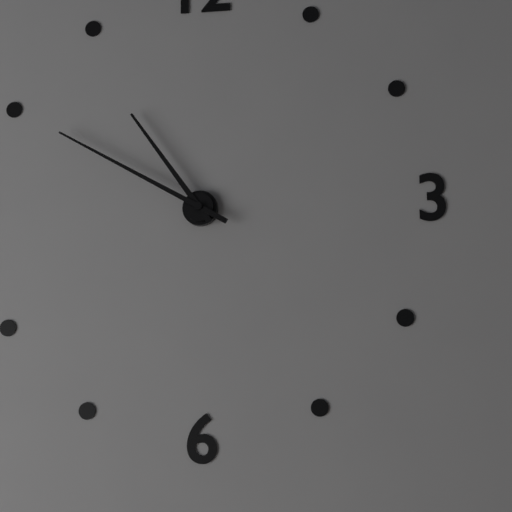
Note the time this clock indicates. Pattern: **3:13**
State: **10:50**
